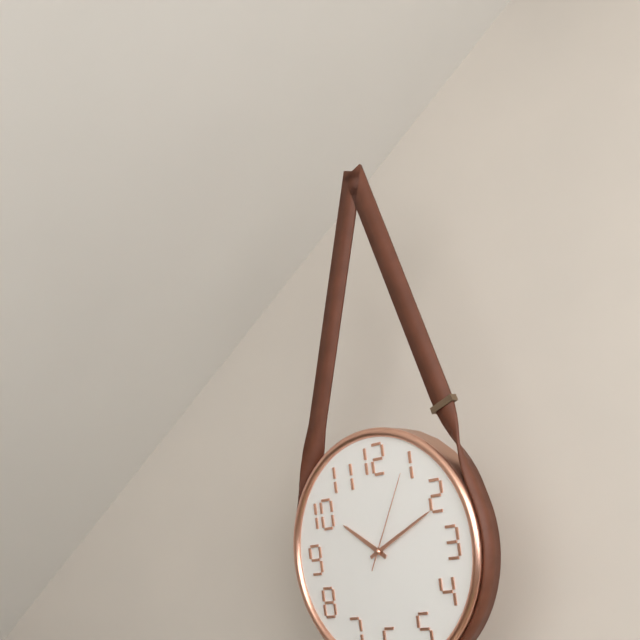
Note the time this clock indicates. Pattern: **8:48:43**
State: **10:11:05**
